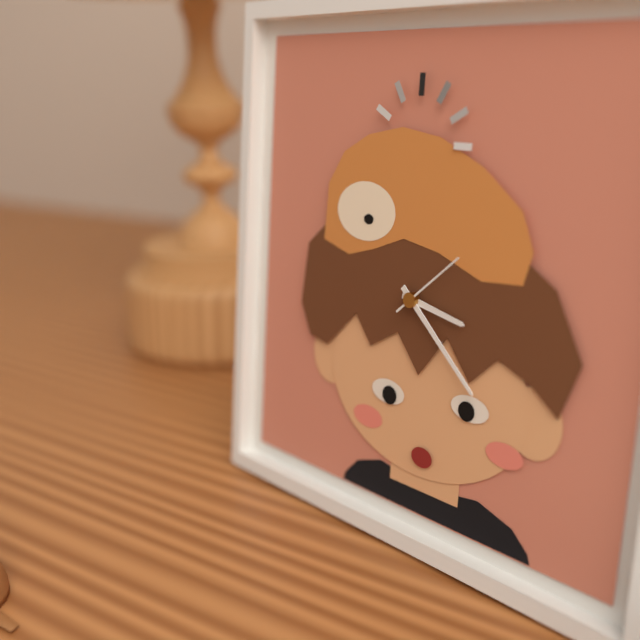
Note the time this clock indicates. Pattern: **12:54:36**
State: **3:22:08**
